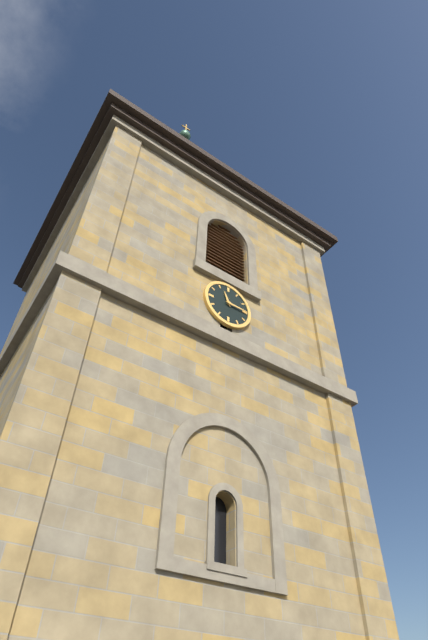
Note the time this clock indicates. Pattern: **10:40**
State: **11:15**
